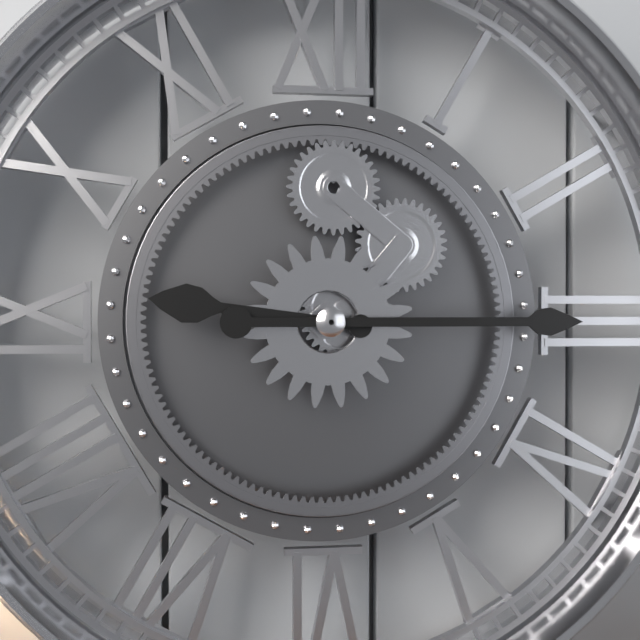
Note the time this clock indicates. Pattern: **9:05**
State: **9:15**
